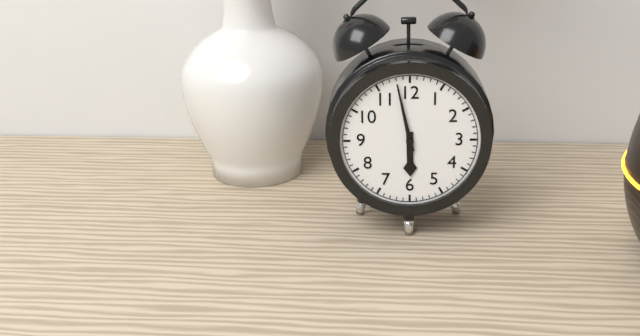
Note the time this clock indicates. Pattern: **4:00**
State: **5:58**
